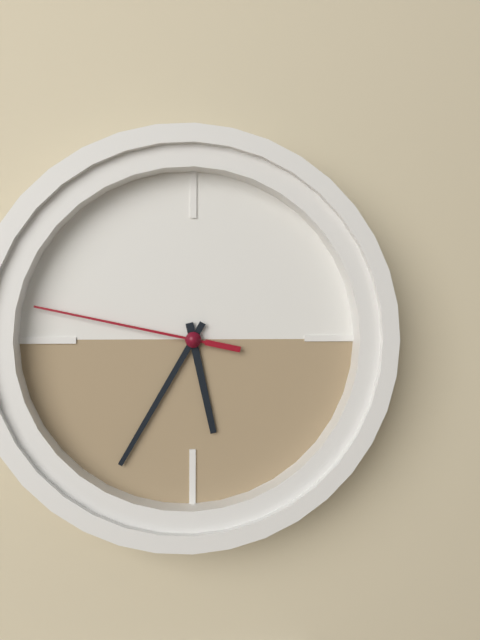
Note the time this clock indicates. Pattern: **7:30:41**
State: **5:35:47**
